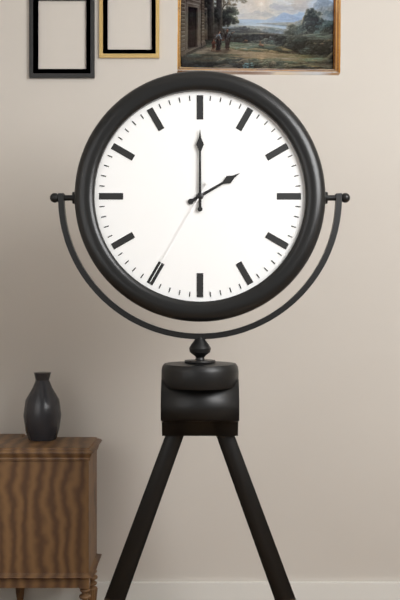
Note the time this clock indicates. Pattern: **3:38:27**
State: **2:00:35**
